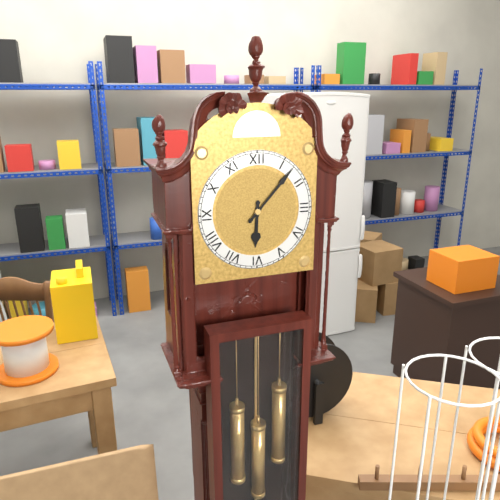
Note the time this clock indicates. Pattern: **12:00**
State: **6:07**
